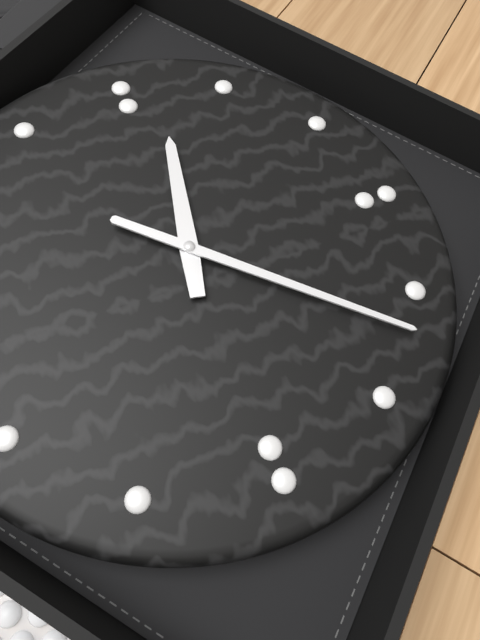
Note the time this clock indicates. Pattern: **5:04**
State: **12:22**
